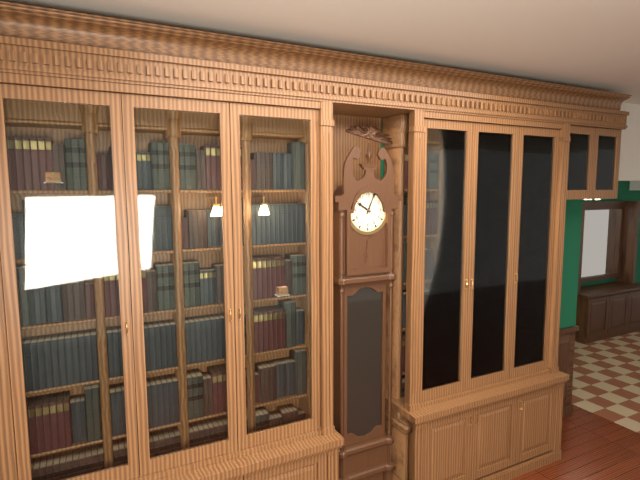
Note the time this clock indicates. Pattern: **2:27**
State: **10:04**
